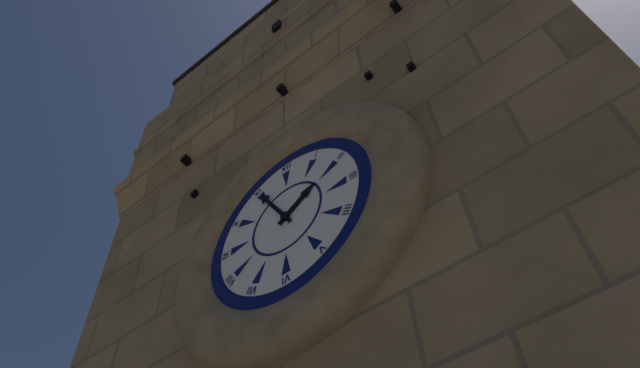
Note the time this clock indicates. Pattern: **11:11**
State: **1:55**
